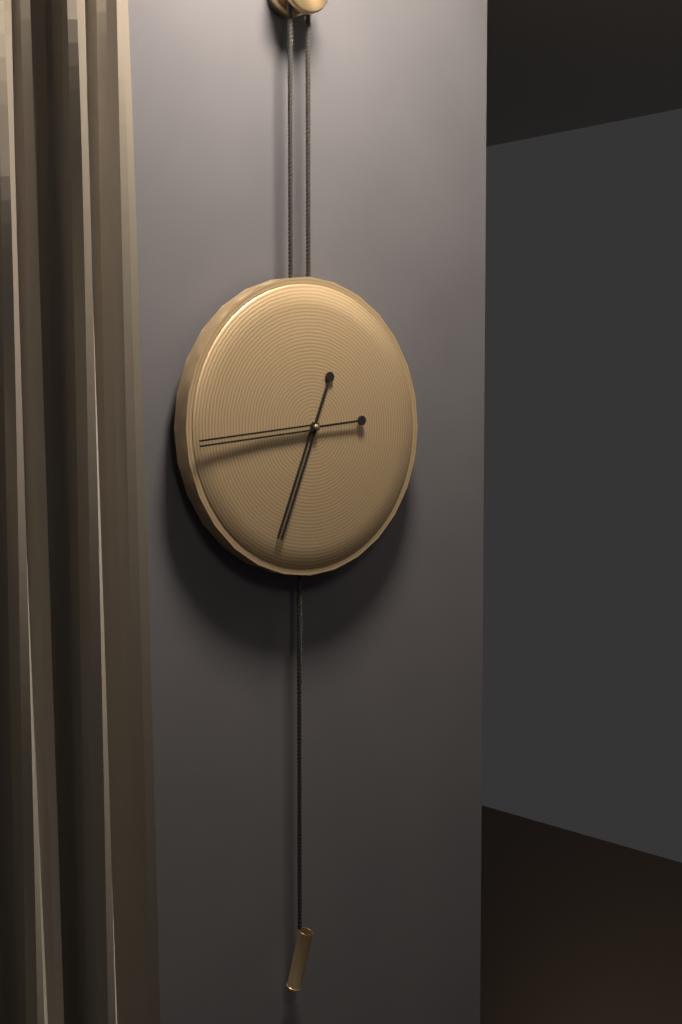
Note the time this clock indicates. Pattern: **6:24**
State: **6:44**
